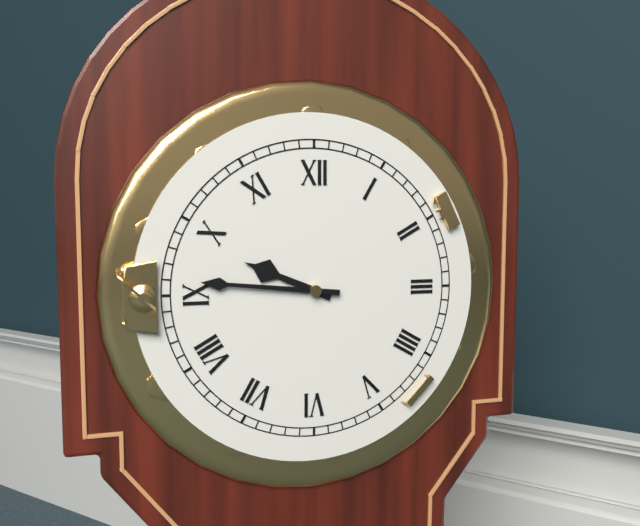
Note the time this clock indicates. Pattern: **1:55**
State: **9:46**
